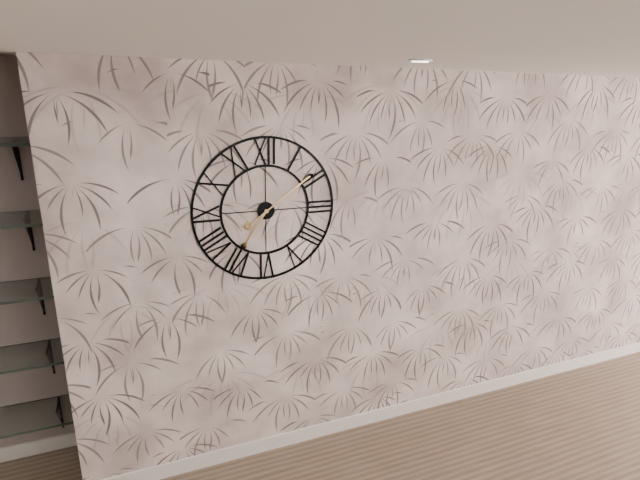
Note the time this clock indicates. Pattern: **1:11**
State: **7:09**
